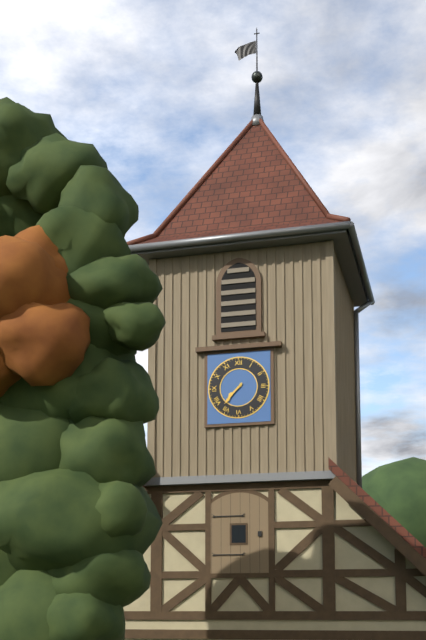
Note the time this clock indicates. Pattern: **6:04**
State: **7:37**
